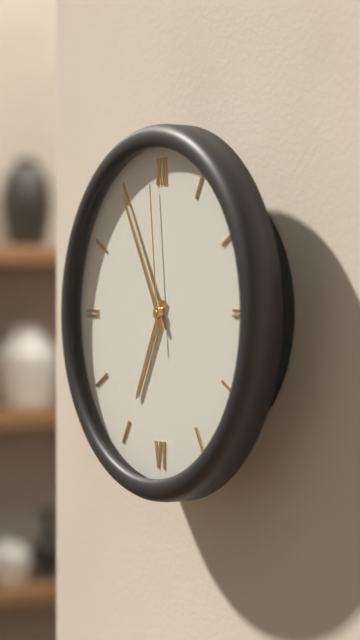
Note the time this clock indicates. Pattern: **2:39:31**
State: **6:55:59**
